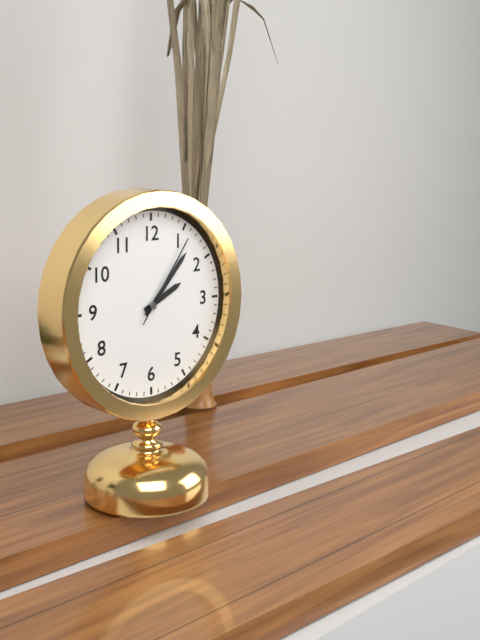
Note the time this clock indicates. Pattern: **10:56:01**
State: **2:07:06**
